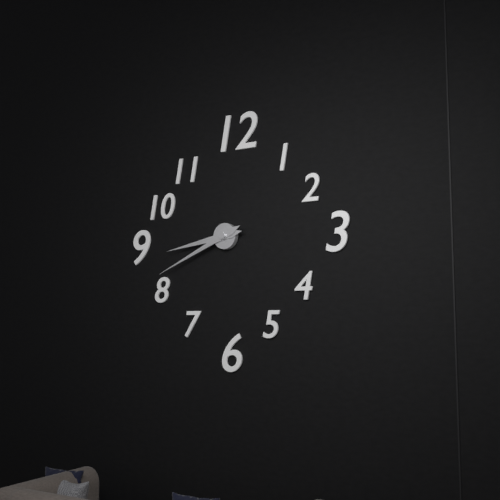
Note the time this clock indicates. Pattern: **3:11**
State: **8:41**
